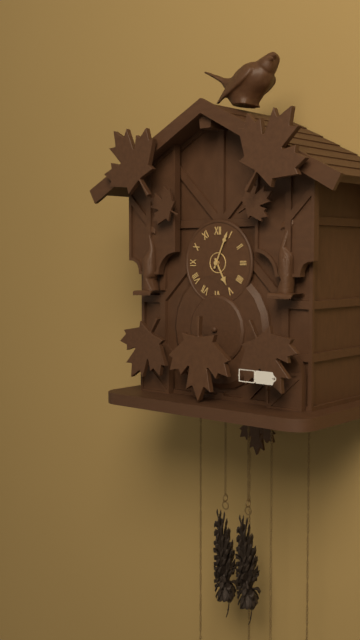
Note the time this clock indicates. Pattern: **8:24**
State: **5:04**
